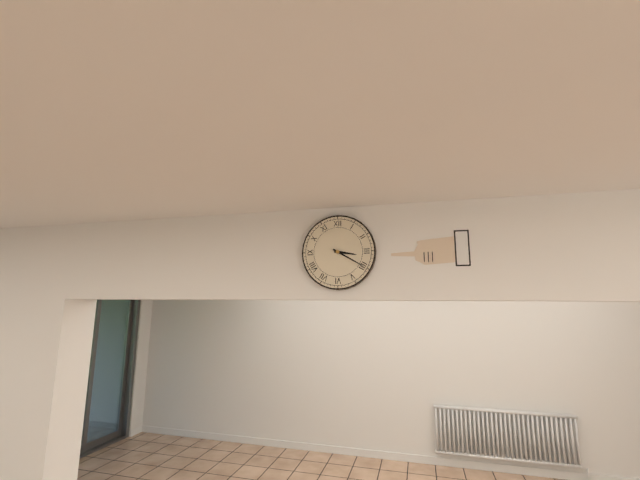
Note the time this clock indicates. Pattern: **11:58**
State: **3:20**
